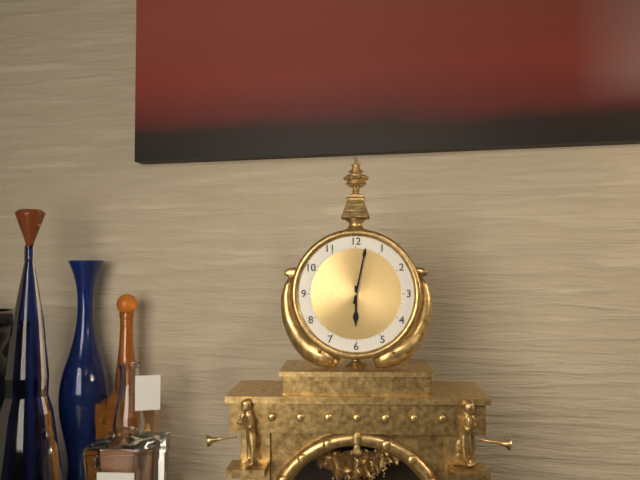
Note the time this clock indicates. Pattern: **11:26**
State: **6:02**
